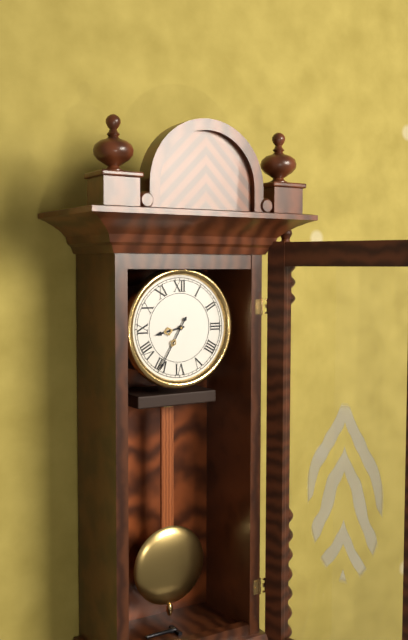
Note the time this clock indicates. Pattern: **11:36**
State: **8:35**
